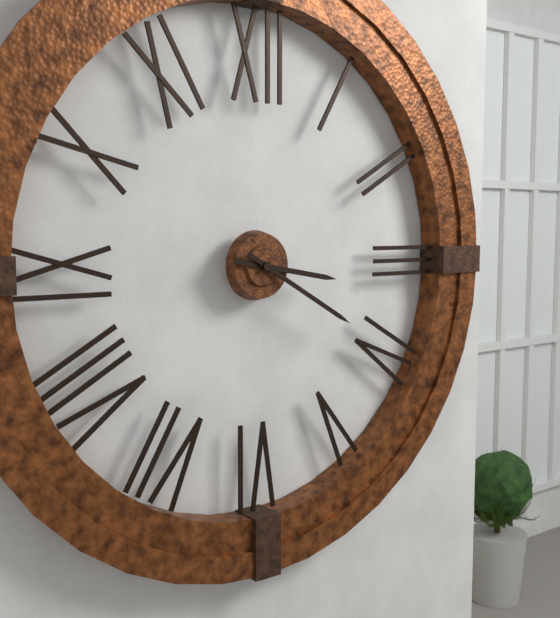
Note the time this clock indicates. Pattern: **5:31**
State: **3:20**
